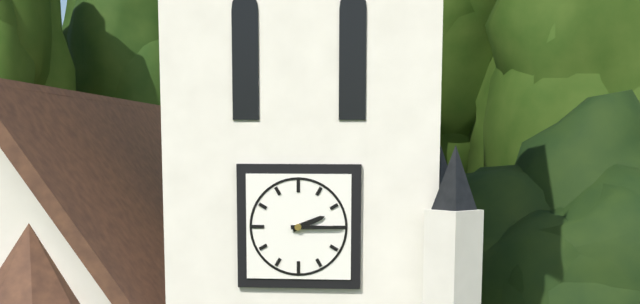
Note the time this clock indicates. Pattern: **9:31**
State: **2:15**
